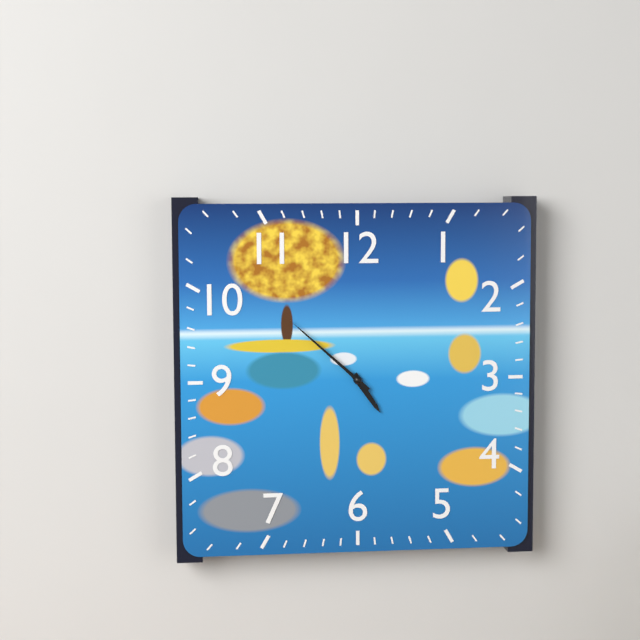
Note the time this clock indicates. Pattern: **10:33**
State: **4:52**
